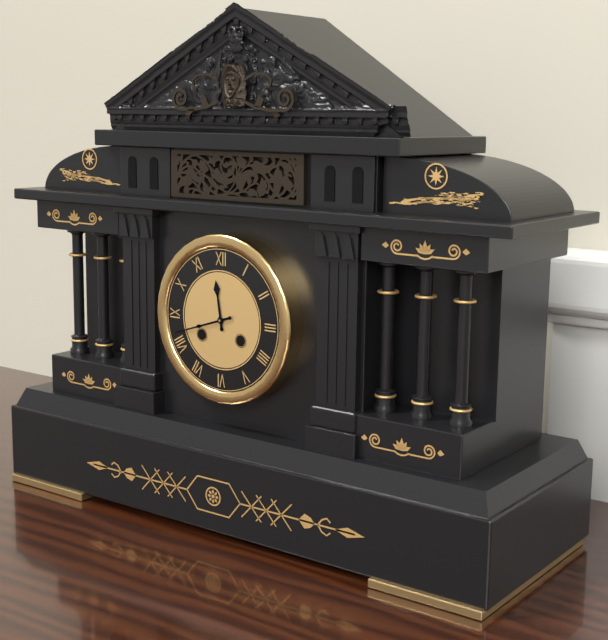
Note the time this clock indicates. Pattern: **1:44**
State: **11:42**
